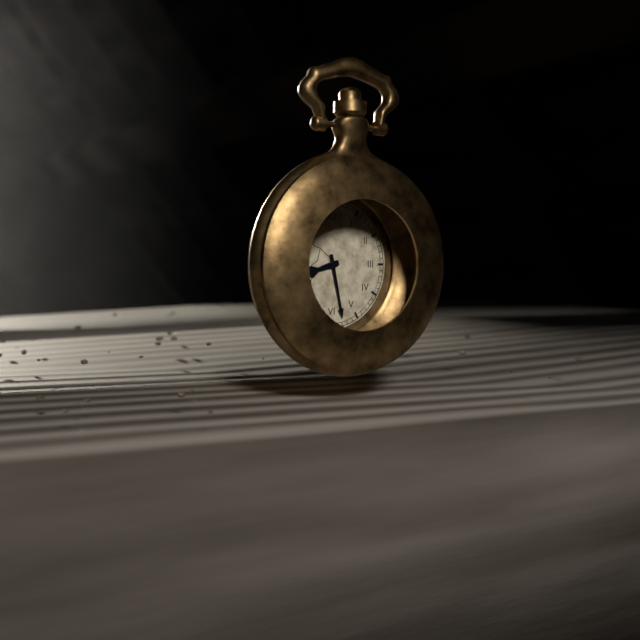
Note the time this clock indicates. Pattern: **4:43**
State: **8:28**
